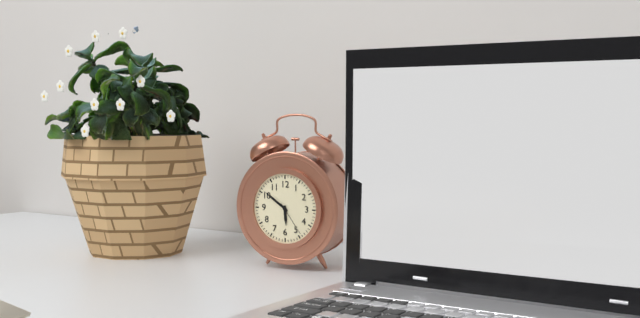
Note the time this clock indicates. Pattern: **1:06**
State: **5:51**
